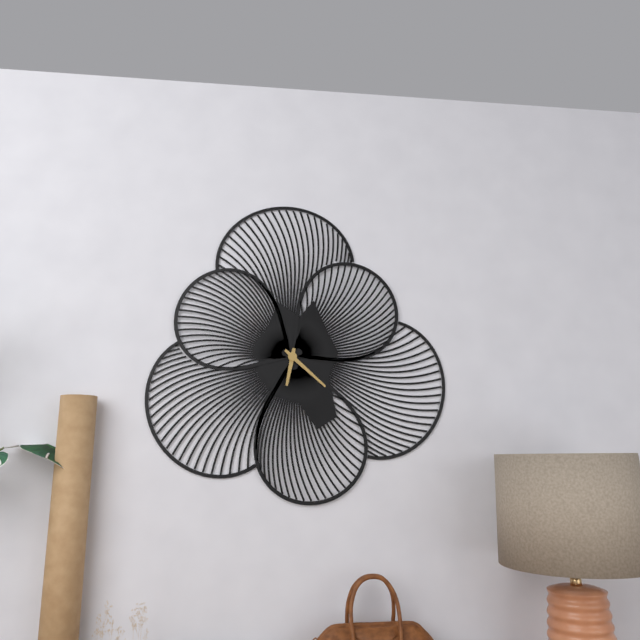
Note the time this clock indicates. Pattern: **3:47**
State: **6:22**
